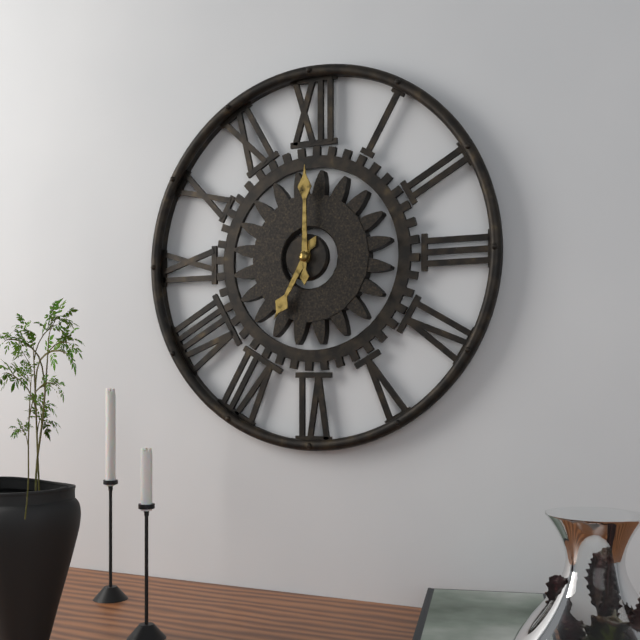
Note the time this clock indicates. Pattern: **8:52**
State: **7:00**
